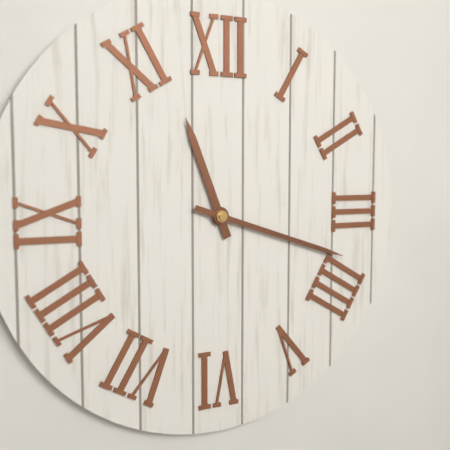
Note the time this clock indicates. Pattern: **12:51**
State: **11:18**
